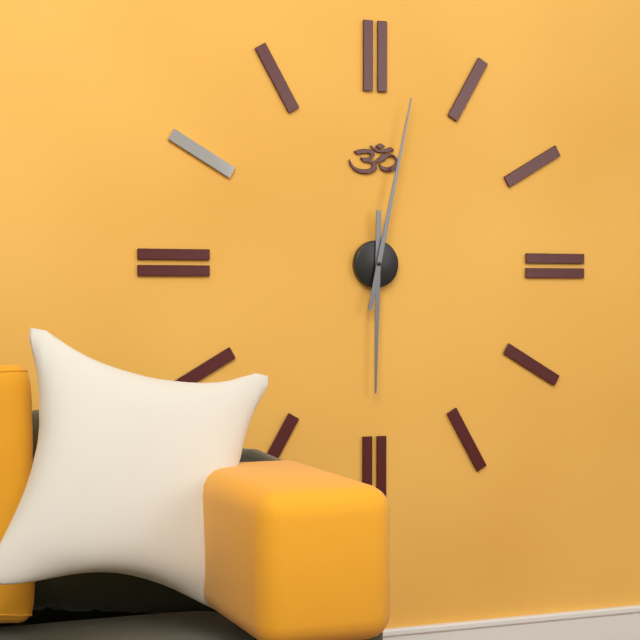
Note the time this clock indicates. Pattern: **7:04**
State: **6:02**
